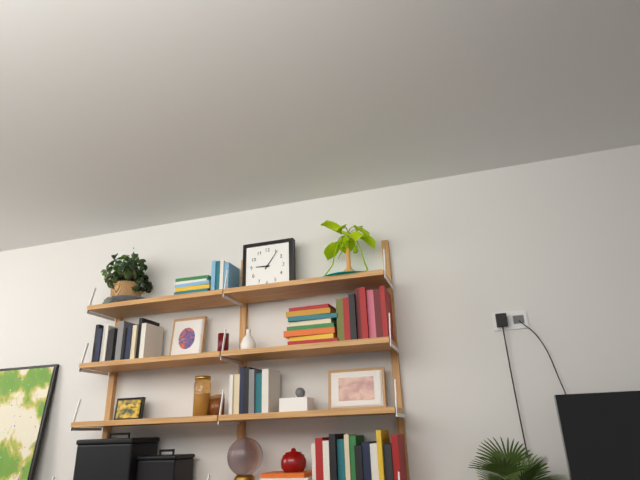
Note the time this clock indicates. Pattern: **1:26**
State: **9:06**
